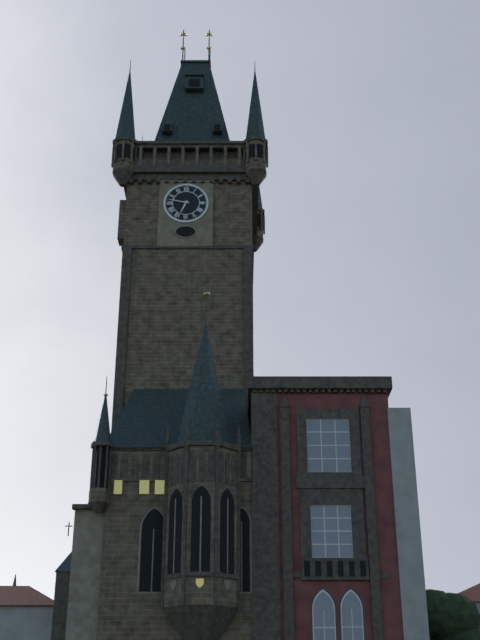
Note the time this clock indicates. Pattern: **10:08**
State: **6:47**
